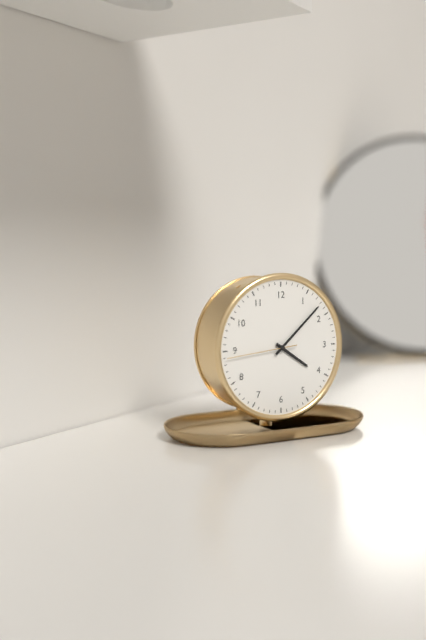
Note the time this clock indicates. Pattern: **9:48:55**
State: **4:08:44**
